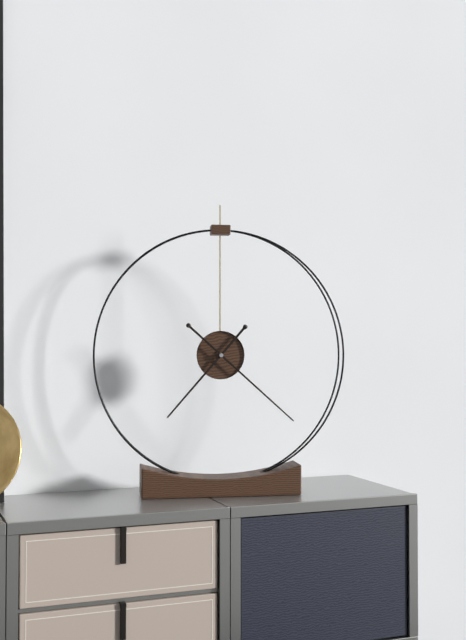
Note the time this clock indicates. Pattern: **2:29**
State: **7:22**
